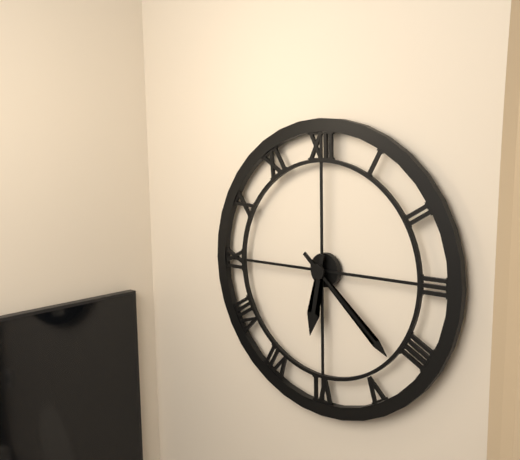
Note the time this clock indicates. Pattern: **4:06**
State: **6:22**
